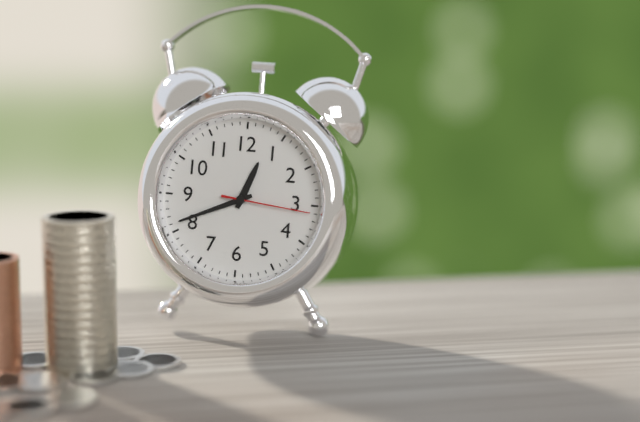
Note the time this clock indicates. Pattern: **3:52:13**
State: **12:41:16**
